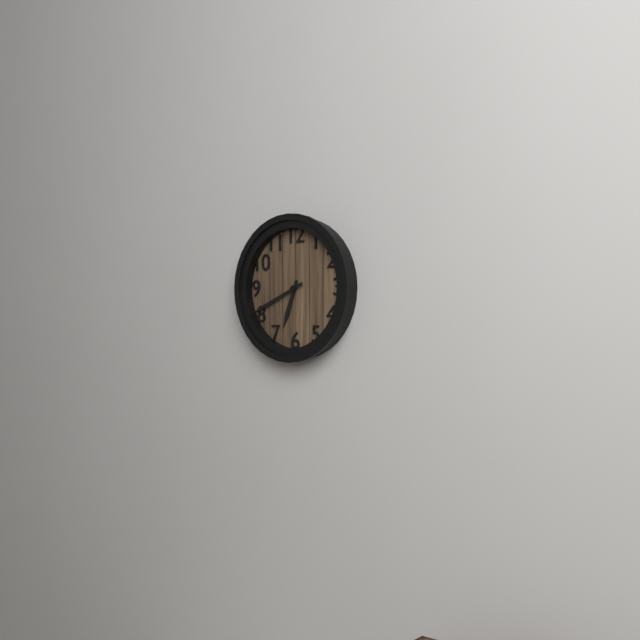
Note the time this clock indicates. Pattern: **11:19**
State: **6:41**
